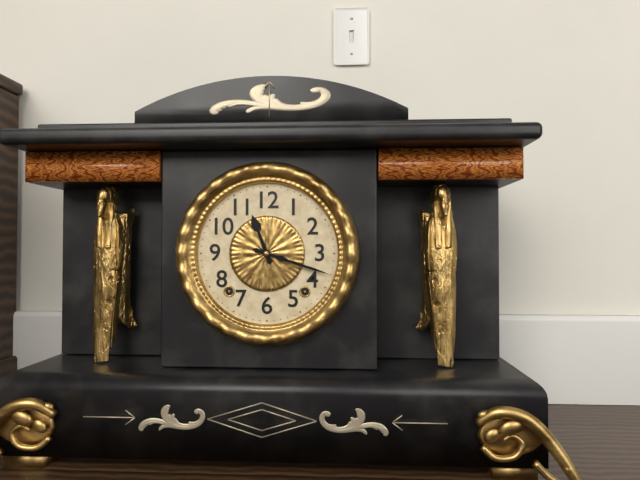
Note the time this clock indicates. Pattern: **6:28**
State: **11:18**
